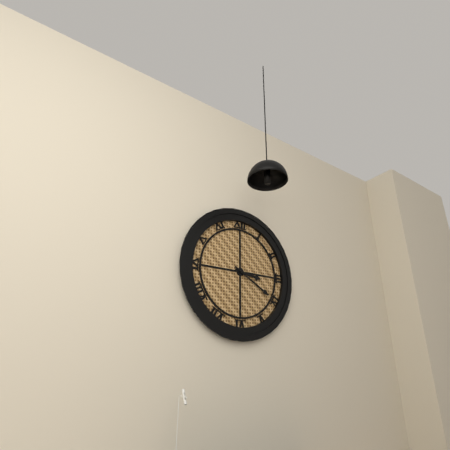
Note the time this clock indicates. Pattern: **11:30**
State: **3:20**
